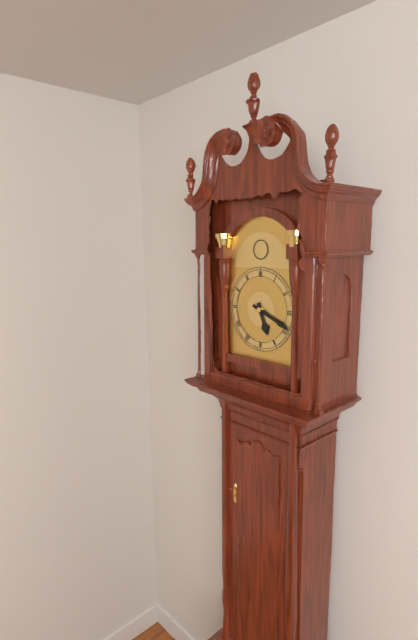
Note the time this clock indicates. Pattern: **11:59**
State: **5:19**
